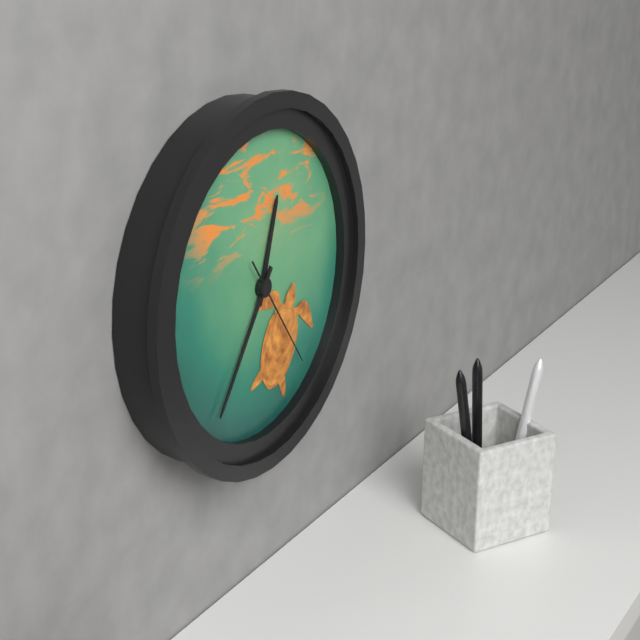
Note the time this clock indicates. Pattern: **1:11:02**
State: **12:36:24**
